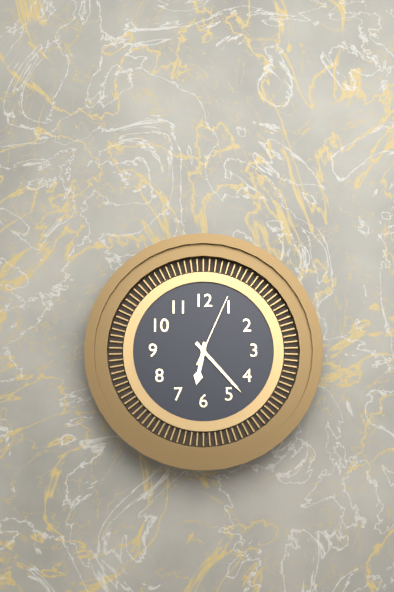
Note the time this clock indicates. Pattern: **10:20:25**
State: **6:23:04**
